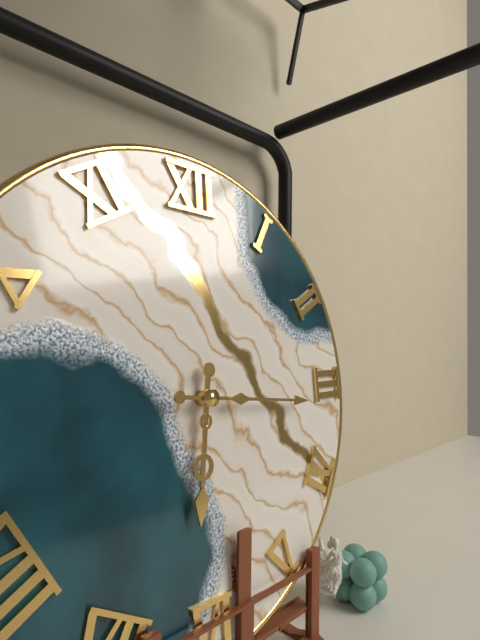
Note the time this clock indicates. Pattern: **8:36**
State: **6:16**
